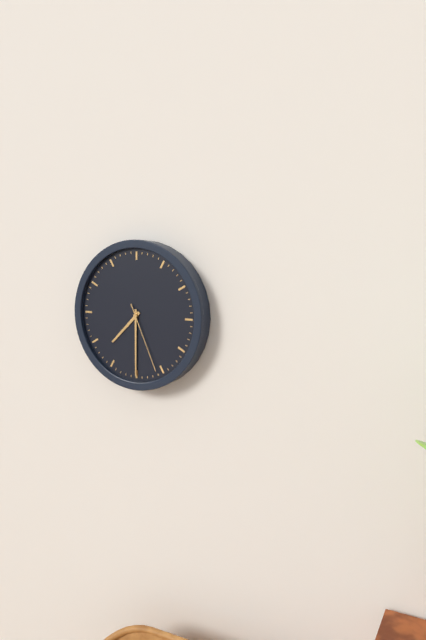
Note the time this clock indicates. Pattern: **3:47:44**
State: **7:30:26**
